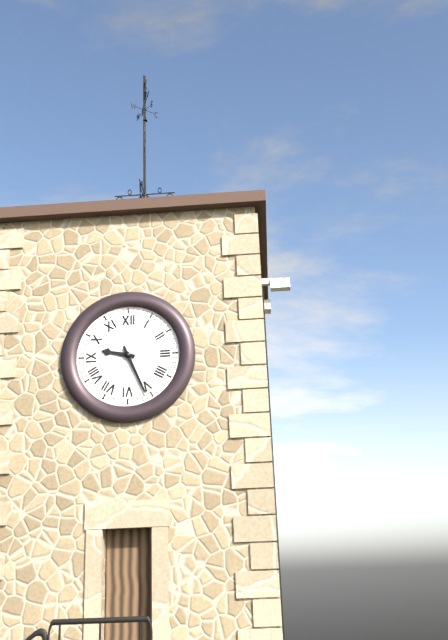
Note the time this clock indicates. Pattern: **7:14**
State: **9:26**
